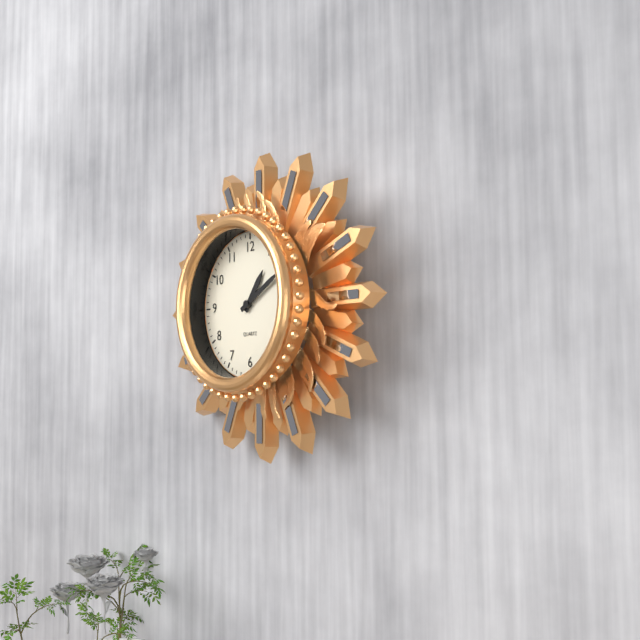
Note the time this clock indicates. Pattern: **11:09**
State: **1:10**
